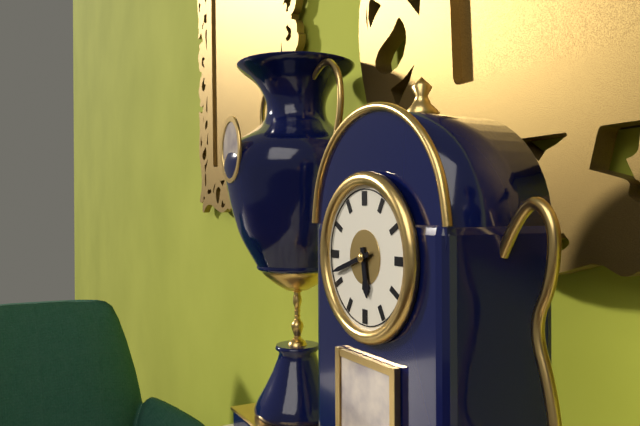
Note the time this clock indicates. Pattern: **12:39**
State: **5:42**
